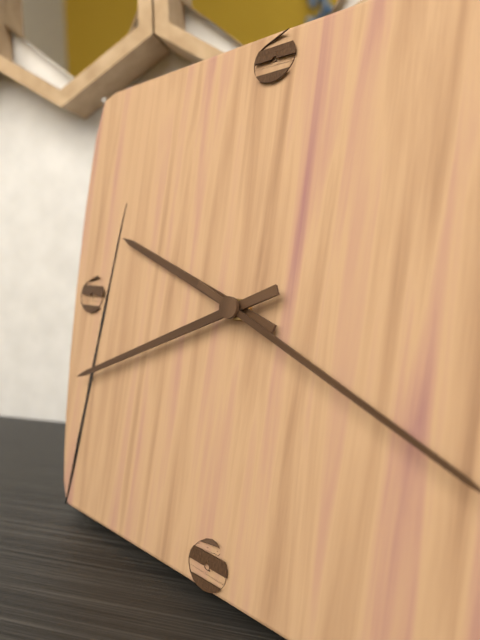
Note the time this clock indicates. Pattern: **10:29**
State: **9:41**
